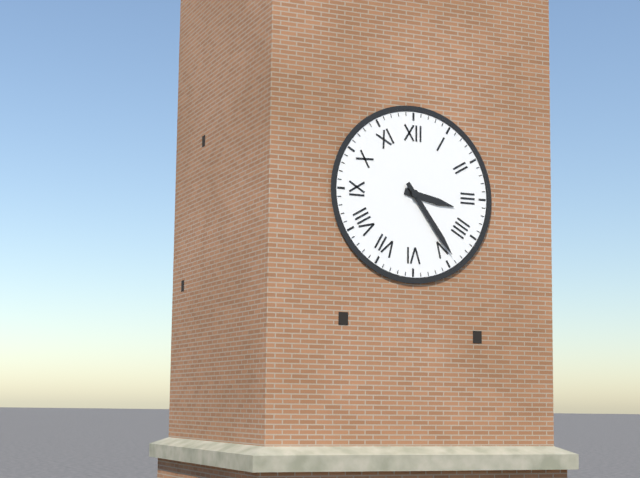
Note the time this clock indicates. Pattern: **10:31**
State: **3:24**
